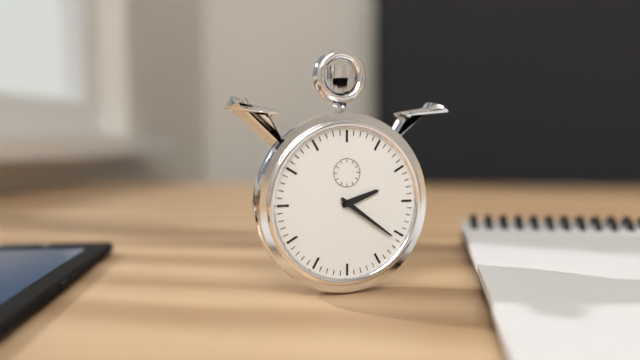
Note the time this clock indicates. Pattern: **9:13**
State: **2:21**
